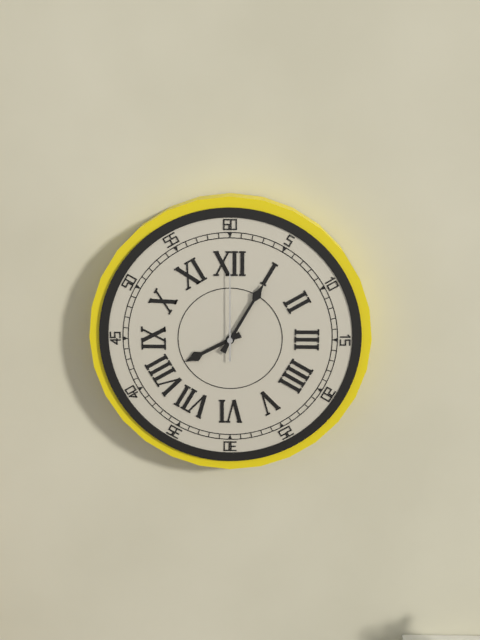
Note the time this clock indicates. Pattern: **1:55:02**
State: **8:05:00**
